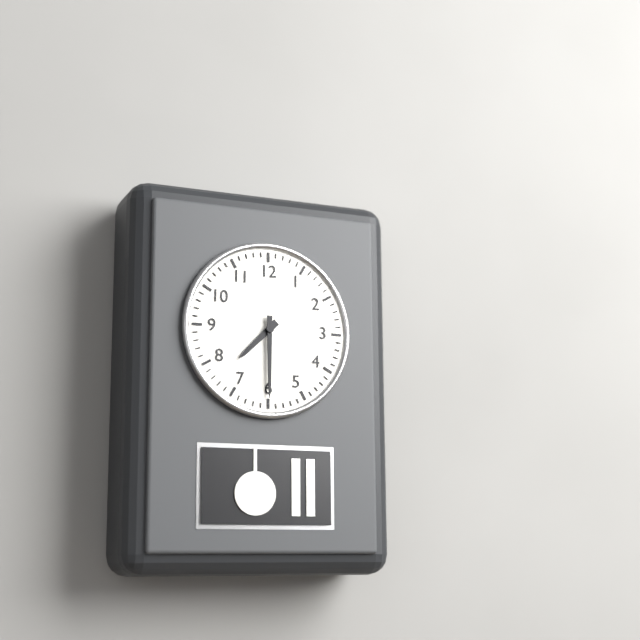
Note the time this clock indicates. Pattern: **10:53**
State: **7:30**
